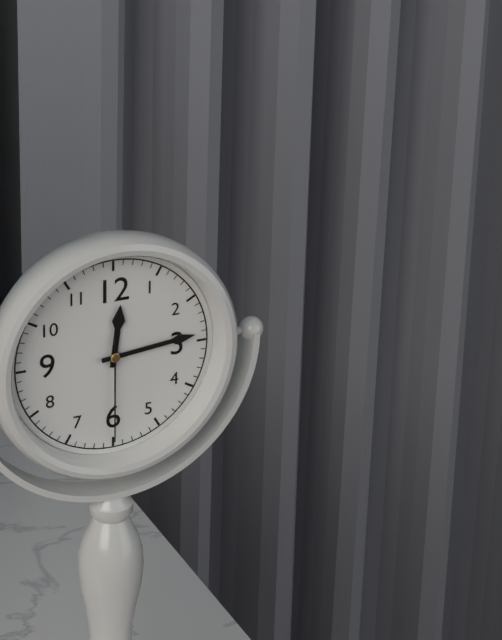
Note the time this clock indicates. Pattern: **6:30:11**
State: **12:14:30**
